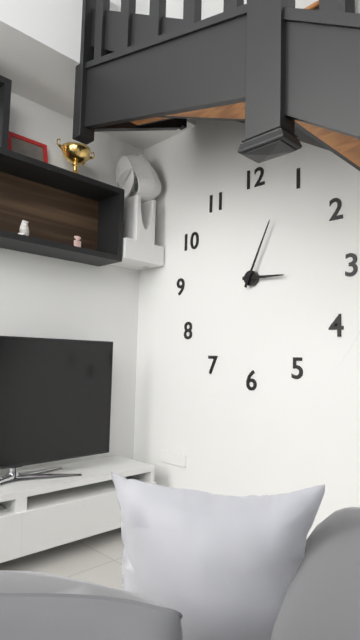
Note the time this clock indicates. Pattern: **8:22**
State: **3:04**
